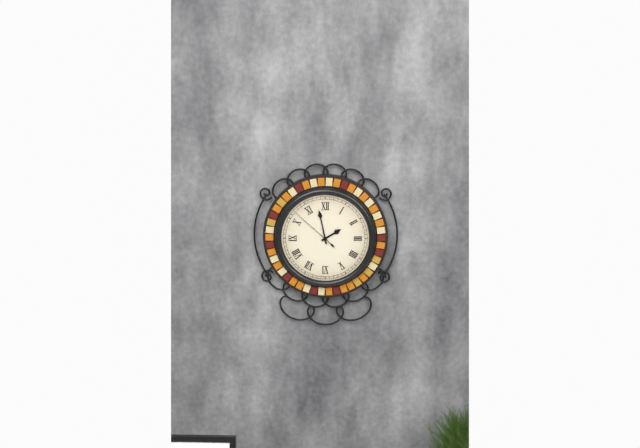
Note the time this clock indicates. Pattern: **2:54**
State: **1:58**
